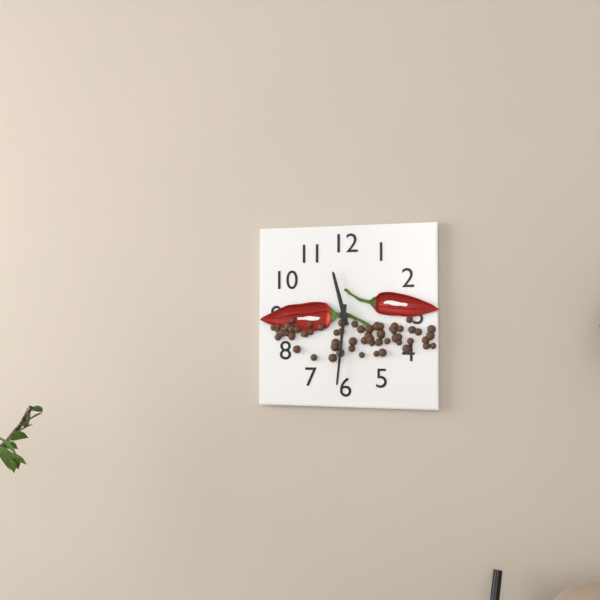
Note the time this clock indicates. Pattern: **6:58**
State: **11:31**
